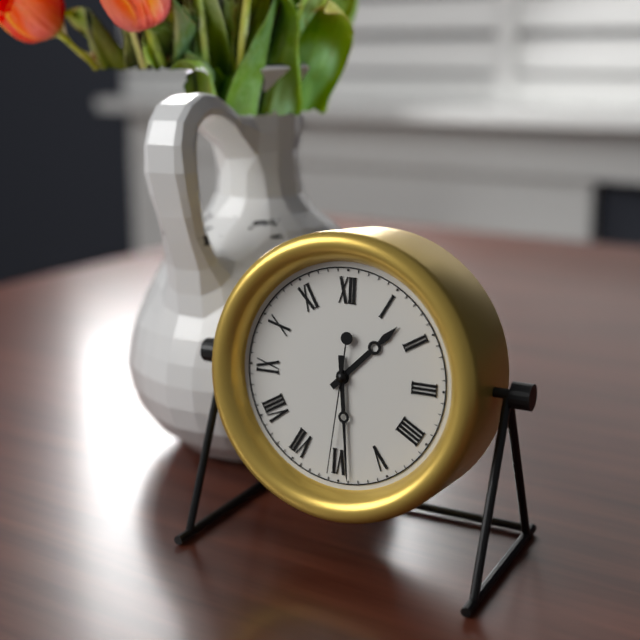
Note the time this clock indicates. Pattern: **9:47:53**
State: **1:29:31**
